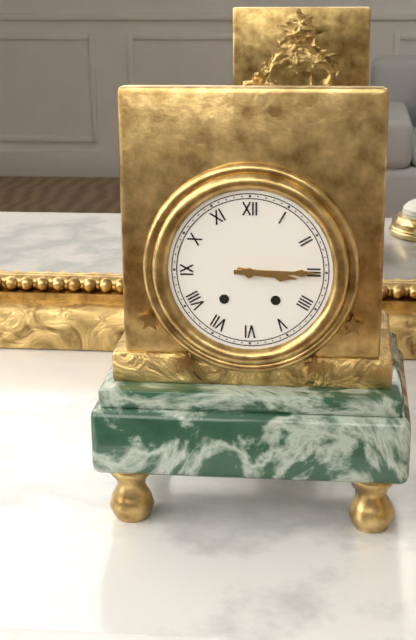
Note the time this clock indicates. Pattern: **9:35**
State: **3:15**
